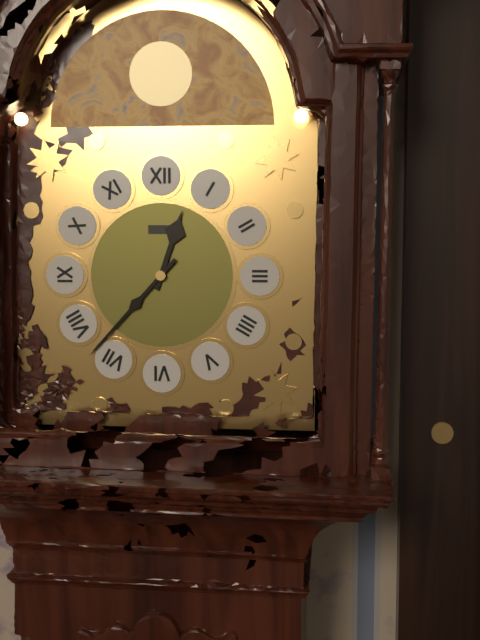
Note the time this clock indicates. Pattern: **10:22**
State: **12:37**
